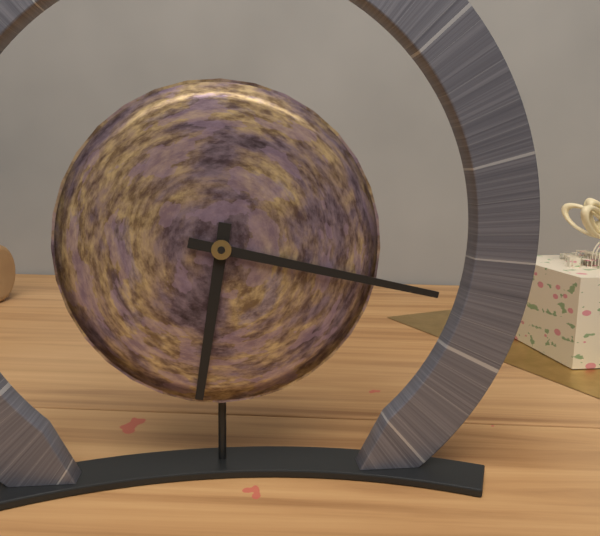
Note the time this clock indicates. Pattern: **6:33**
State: **6:17**
